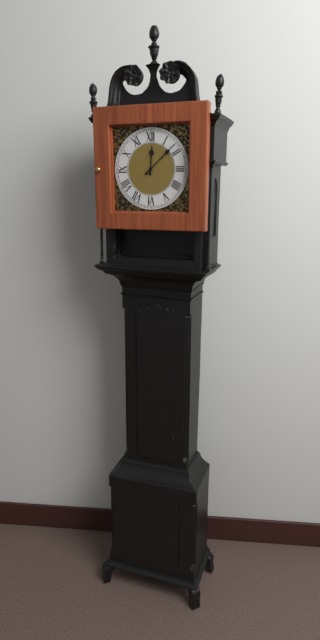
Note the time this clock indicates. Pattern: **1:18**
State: **12:08**
